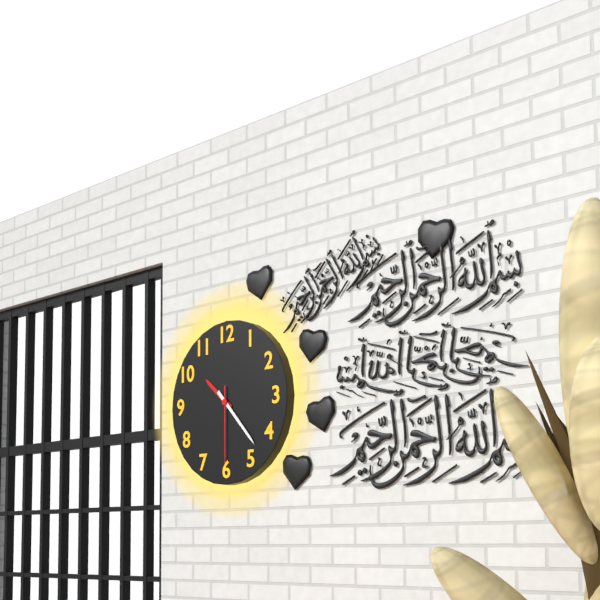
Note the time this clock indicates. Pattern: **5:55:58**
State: **10:23:30**
